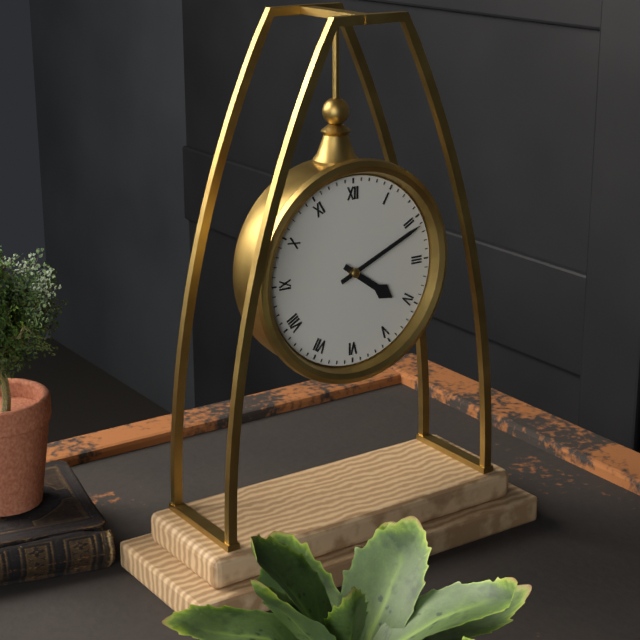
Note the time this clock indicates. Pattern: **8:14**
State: **4:11**
